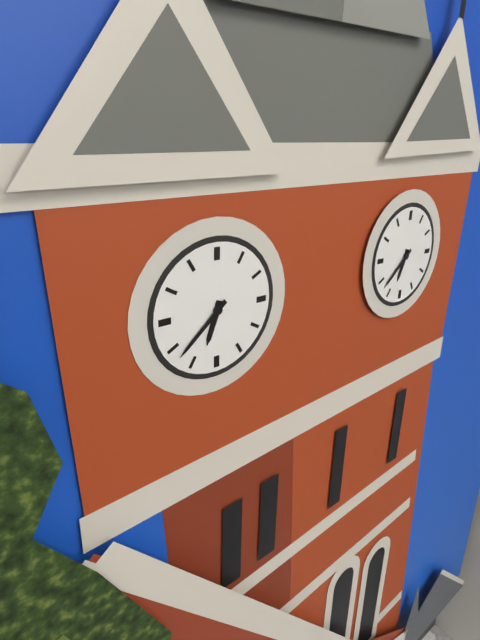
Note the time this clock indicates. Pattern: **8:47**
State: **6:38**
